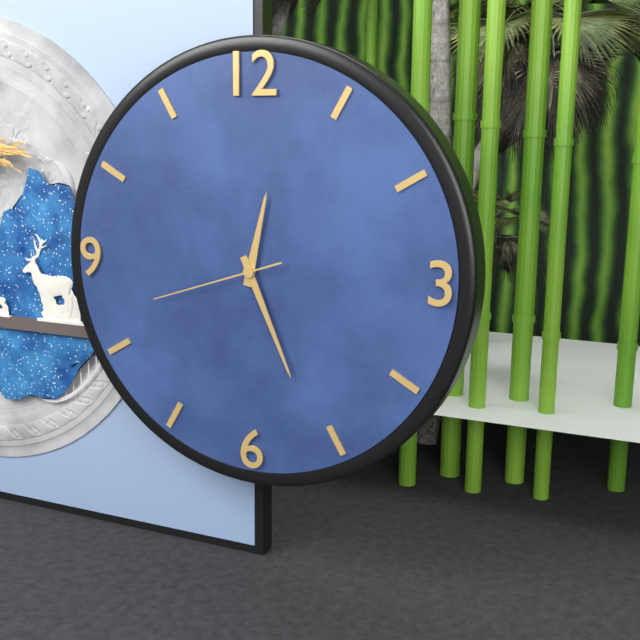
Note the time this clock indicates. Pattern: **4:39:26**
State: **12:26:42**
